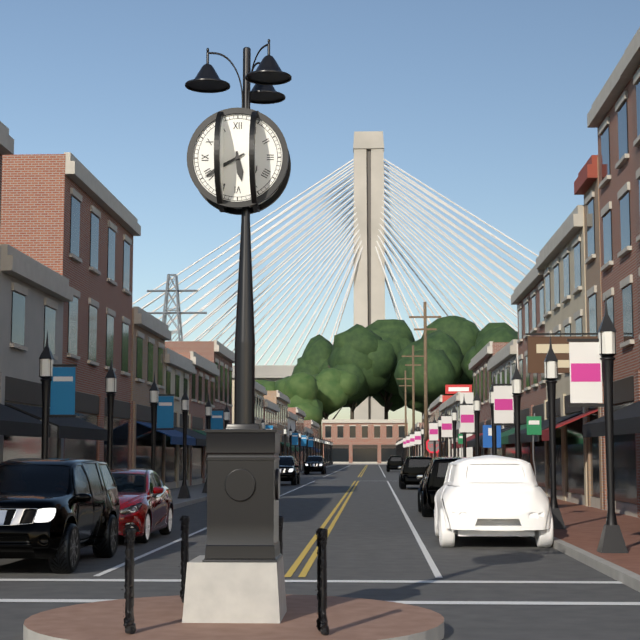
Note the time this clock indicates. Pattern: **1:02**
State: **5:40**
